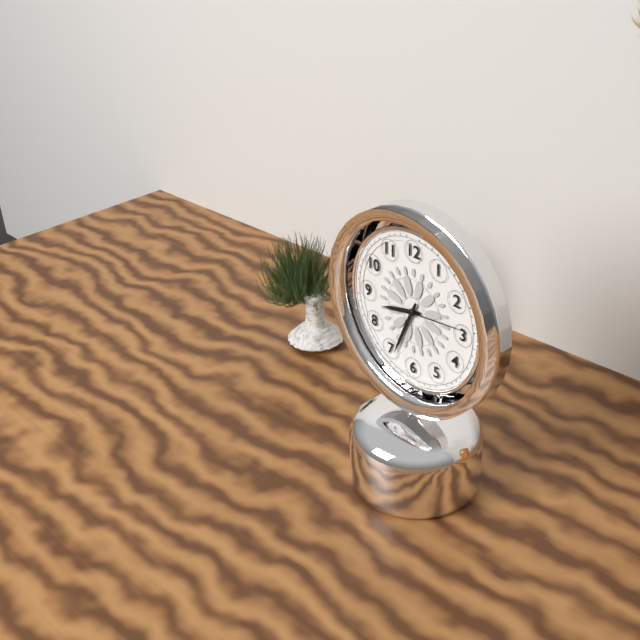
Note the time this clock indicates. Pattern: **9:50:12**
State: **8:34:14**
